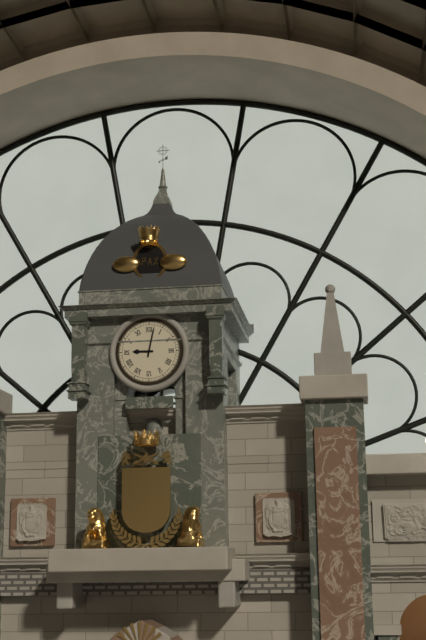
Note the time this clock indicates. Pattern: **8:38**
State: **9:02**
